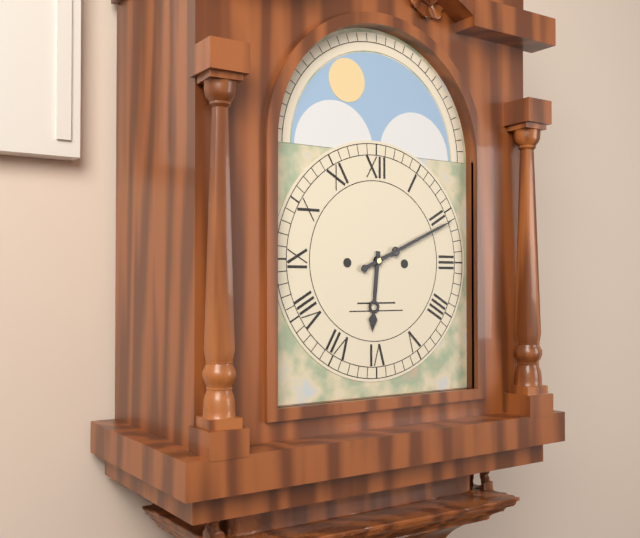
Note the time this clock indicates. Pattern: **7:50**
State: **6:11**
